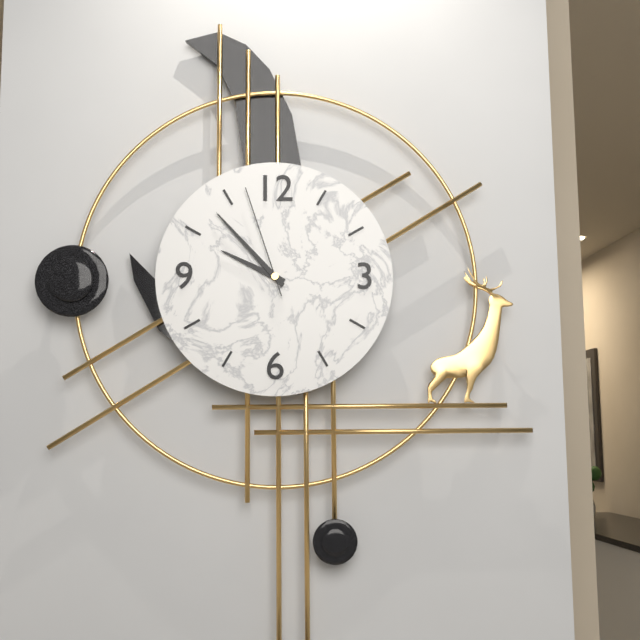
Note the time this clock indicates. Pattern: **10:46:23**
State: **9:53:57**
